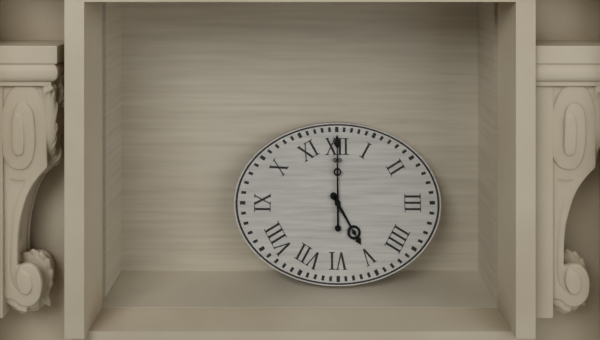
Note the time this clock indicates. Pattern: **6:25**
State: **5:00**
